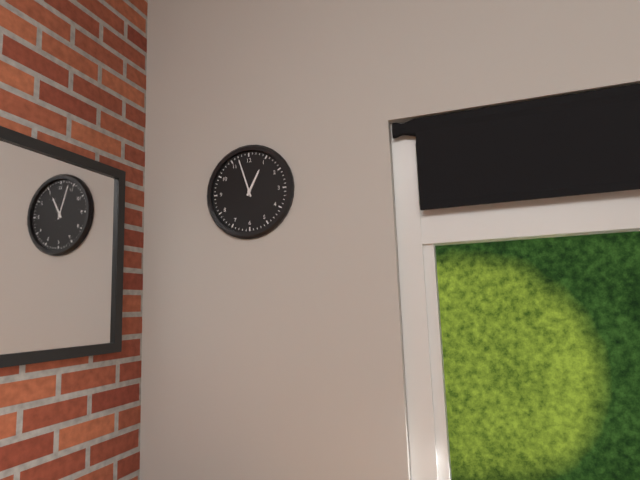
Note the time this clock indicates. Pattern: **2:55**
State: **12:57**
